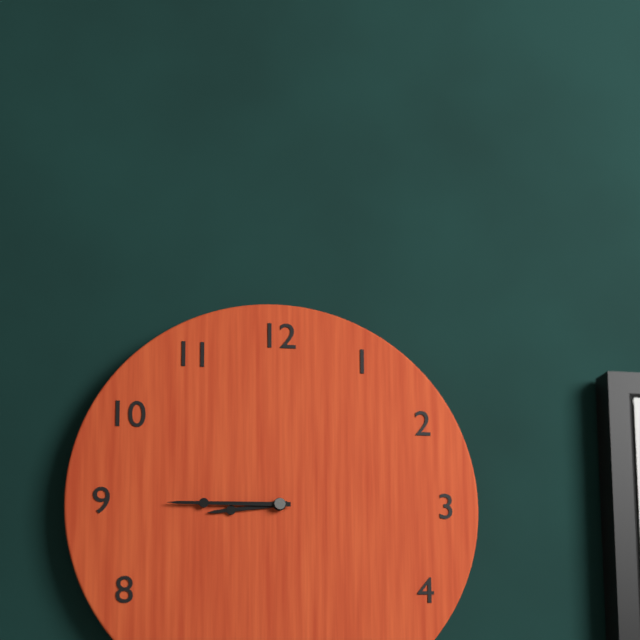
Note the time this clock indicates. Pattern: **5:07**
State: **8:45**
